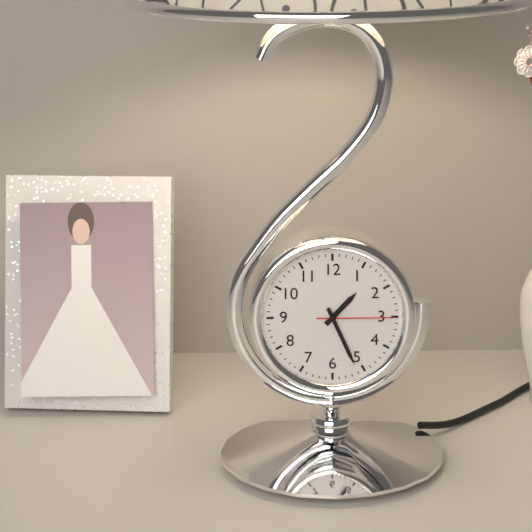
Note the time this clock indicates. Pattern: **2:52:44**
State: **1:26:15**
